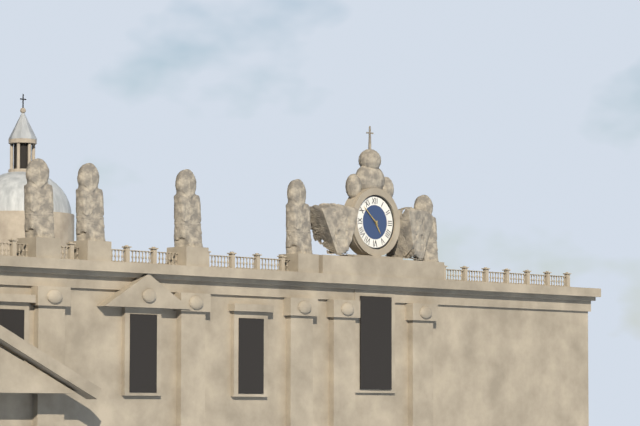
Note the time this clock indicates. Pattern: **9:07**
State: **4:52**
